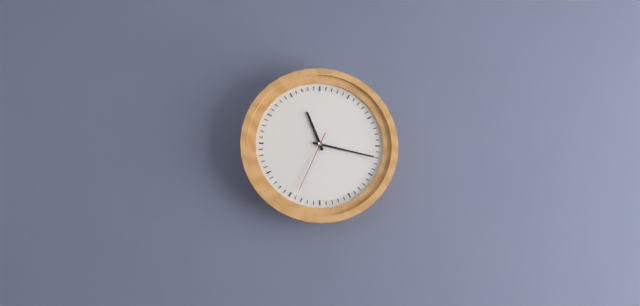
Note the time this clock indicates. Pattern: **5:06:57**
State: **11:17:34**
